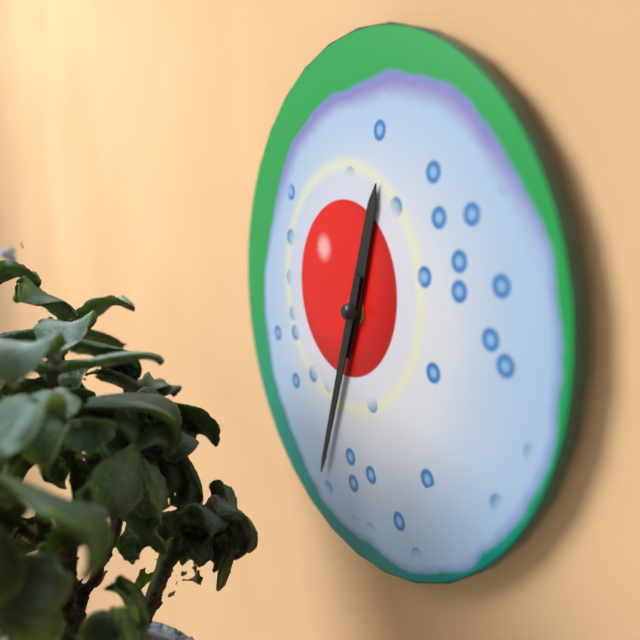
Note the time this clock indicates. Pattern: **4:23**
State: **12:33**
